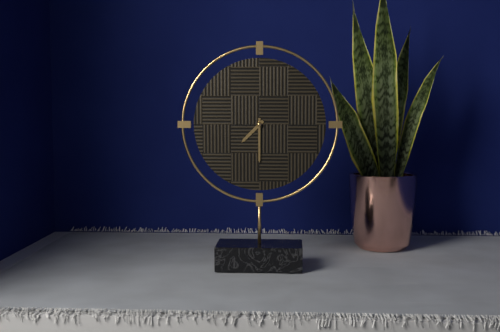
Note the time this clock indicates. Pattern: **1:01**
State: **7:30**
